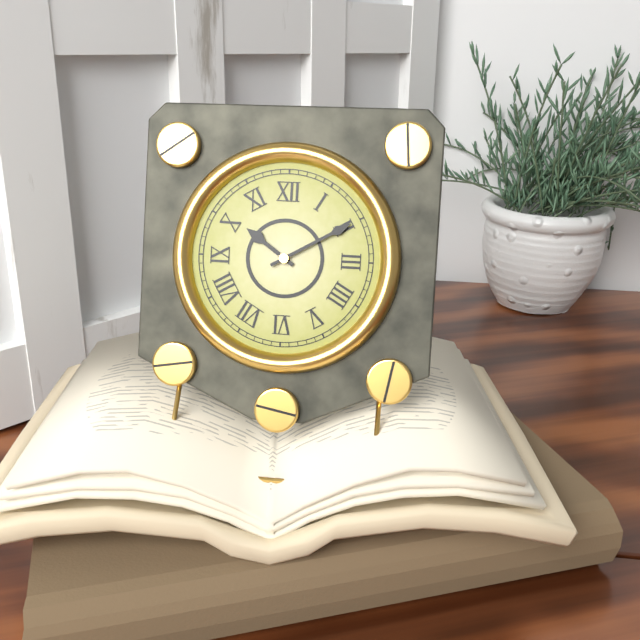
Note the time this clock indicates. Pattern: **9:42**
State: **10:10**
